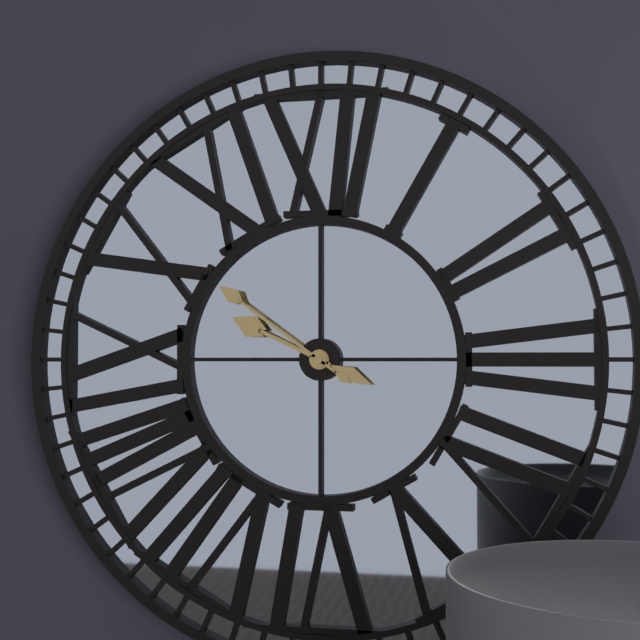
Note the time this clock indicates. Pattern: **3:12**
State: **9:51**
